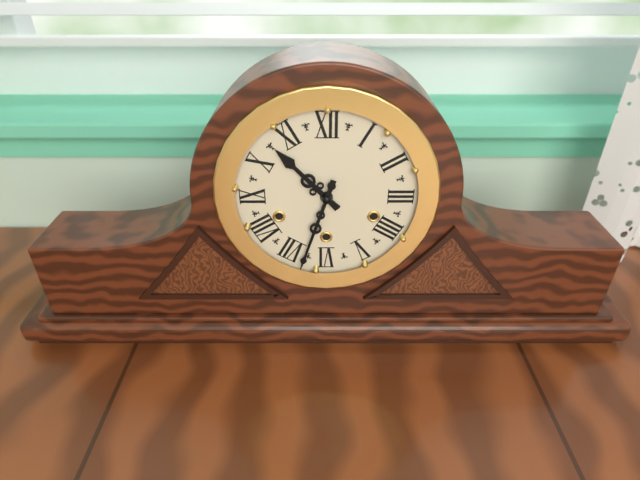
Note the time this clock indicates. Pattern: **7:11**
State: **10:33**
